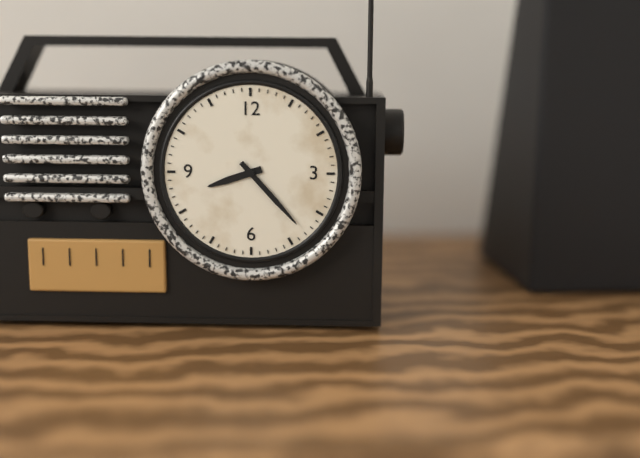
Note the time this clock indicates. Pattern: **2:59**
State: **8:23**
